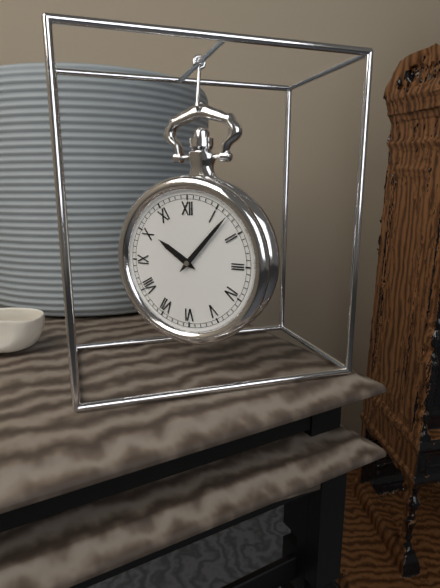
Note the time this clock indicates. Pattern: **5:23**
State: **10:07**
